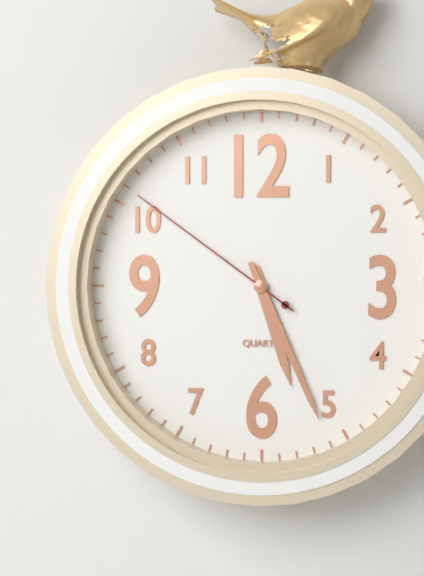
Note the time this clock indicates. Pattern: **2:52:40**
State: **5:26:51**
